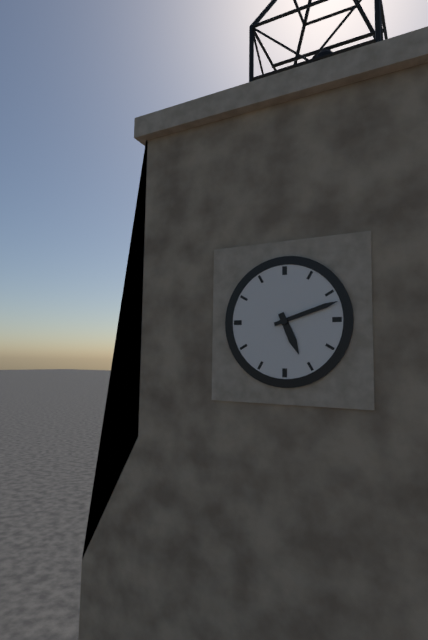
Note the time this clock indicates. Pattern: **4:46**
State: **5:12**
